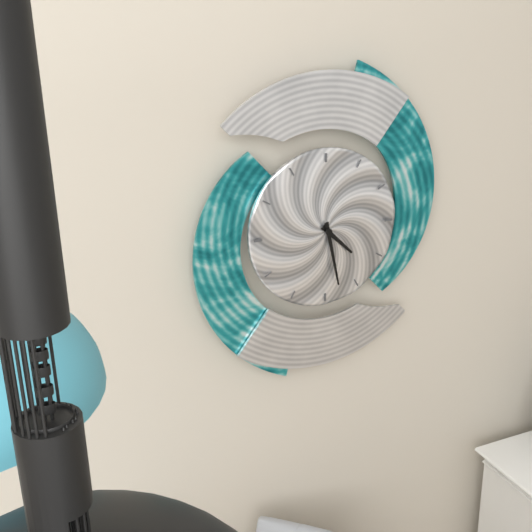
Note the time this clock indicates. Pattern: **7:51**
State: **4:28**
